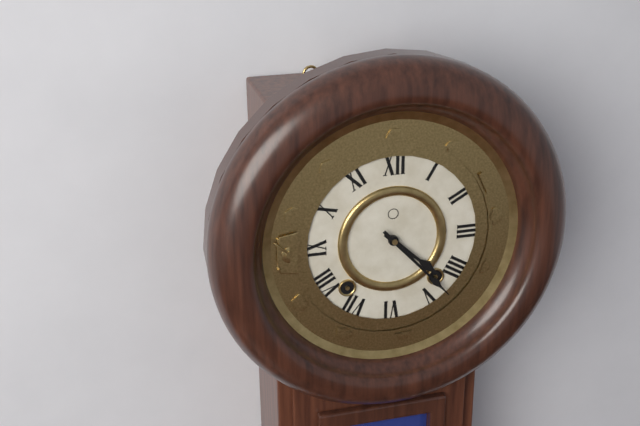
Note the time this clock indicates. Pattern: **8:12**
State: **4:23**
